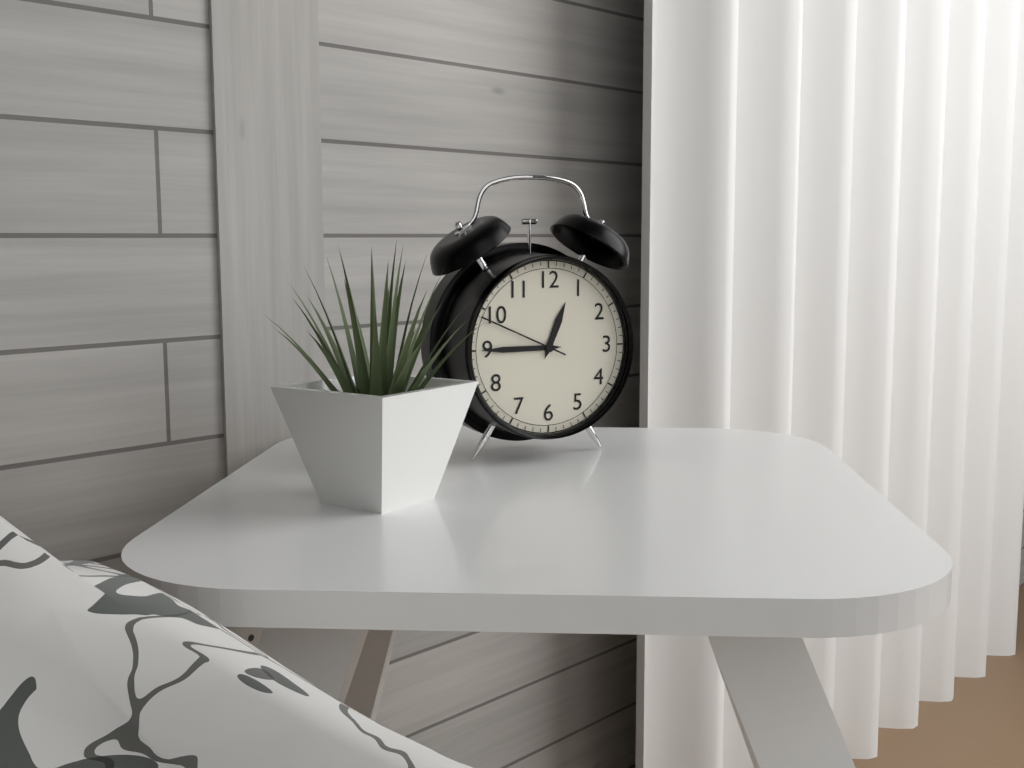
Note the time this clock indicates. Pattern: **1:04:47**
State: **12:45:49**
